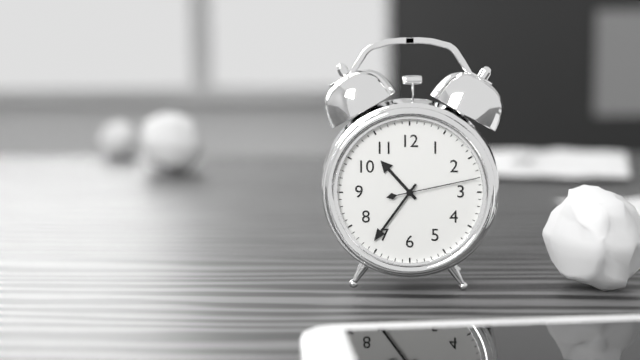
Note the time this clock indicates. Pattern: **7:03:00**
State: **10:36:13**
